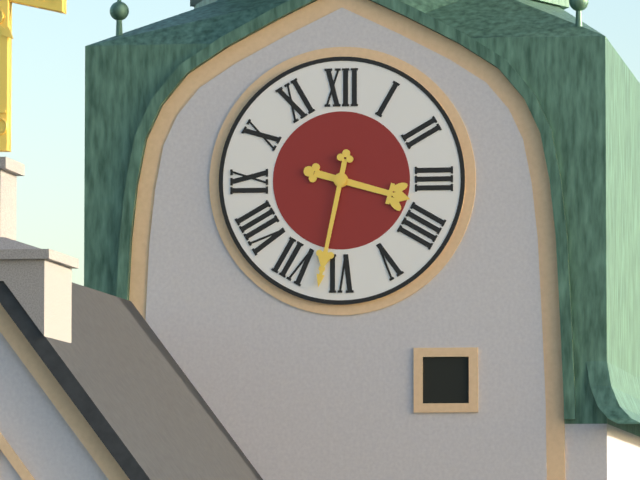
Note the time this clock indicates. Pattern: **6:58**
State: **3:32**
